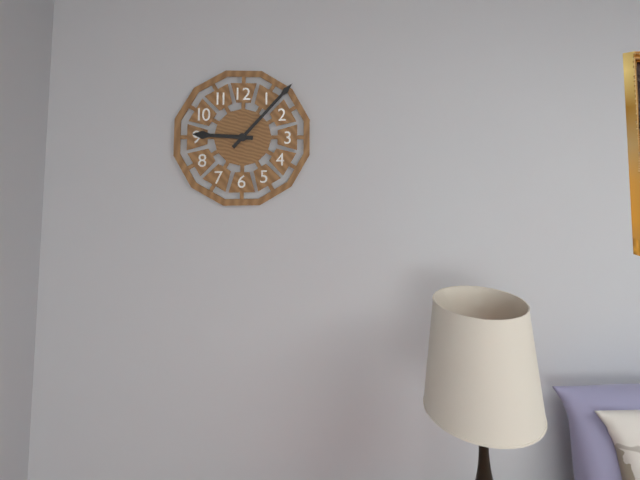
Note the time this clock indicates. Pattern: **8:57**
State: **9:07**
